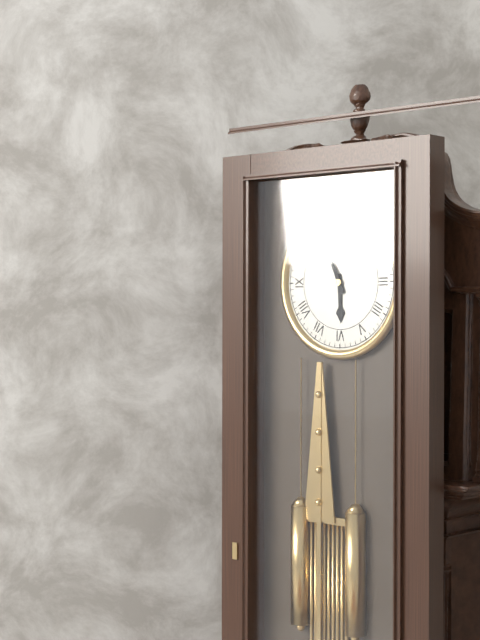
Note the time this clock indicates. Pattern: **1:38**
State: **5:56**
